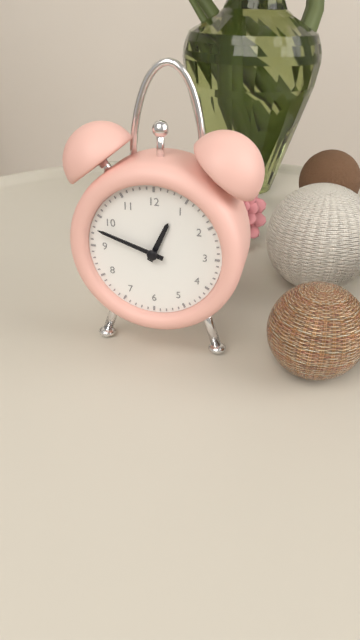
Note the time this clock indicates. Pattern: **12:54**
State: **12:48**
